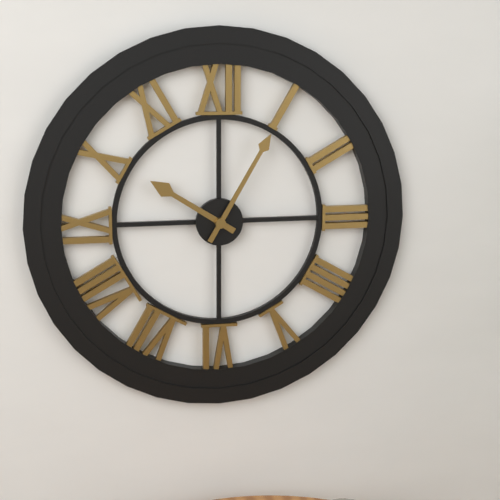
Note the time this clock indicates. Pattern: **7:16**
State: **10:05**
